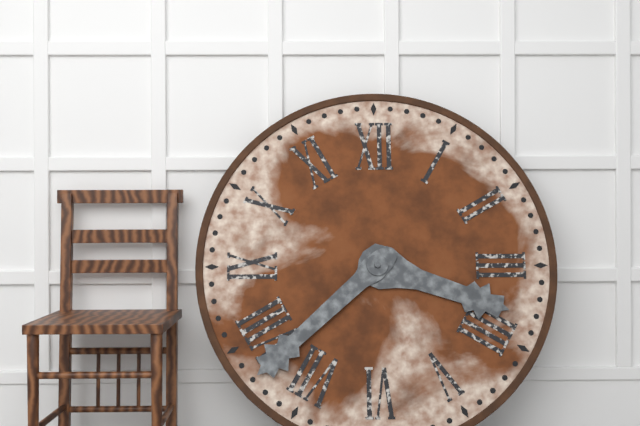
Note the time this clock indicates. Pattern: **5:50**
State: **3:38**
